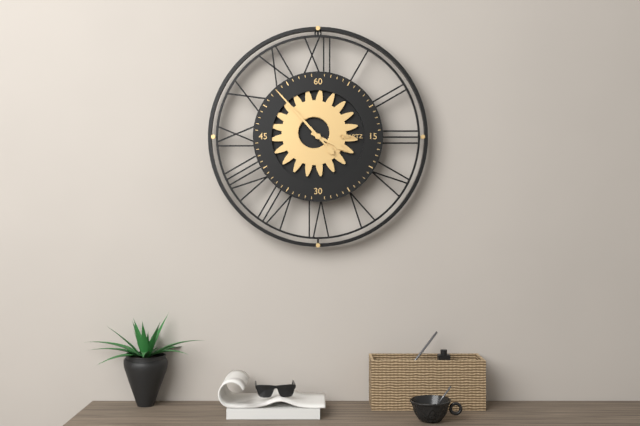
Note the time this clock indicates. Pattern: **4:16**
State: **3:53**
